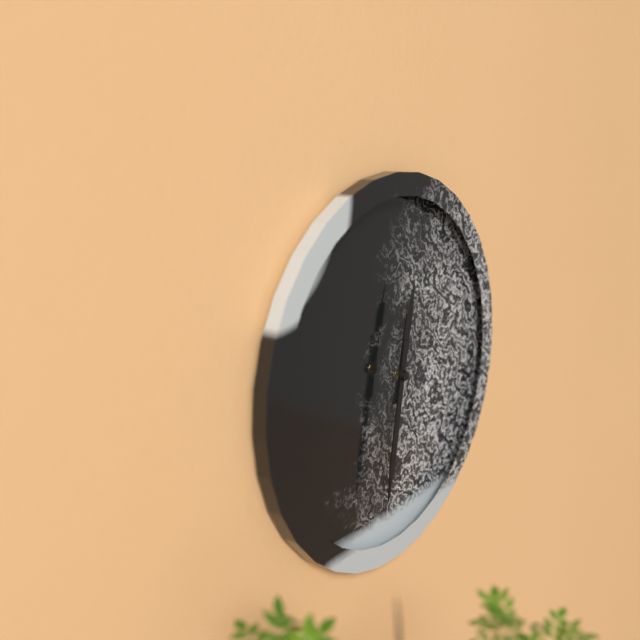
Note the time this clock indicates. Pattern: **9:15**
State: **12:32**
